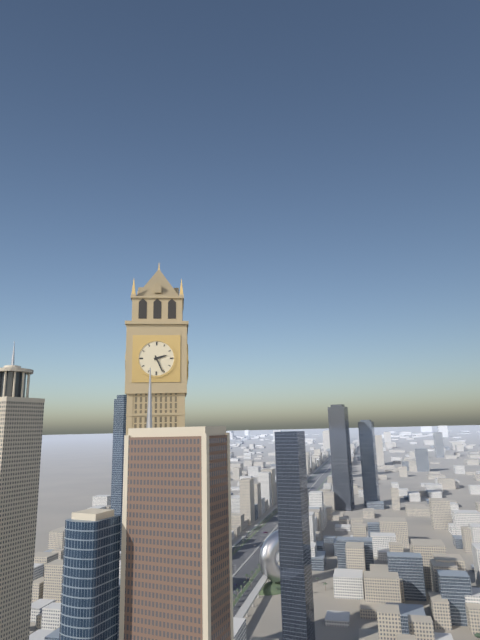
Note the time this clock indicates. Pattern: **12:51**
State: **2:26**
